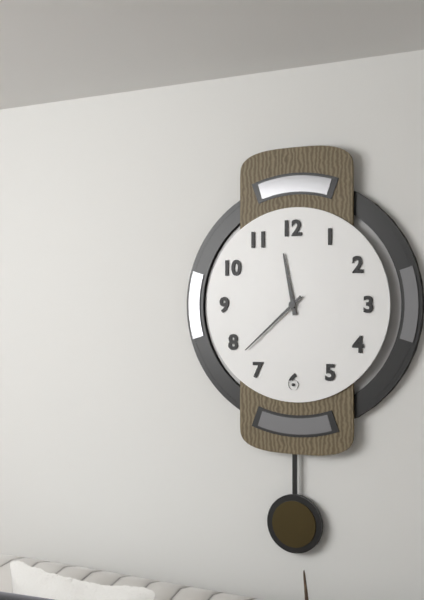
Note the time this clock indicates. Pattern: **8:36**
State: **11:38**
